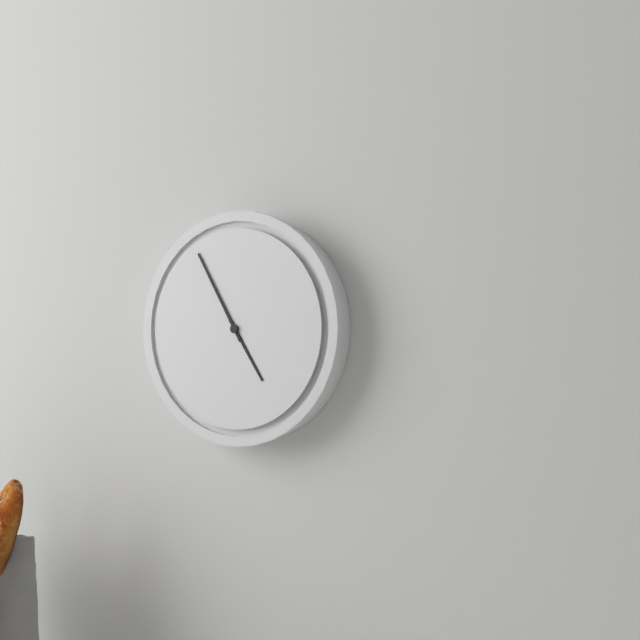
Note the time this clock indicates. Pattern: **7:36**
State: **4:55**
